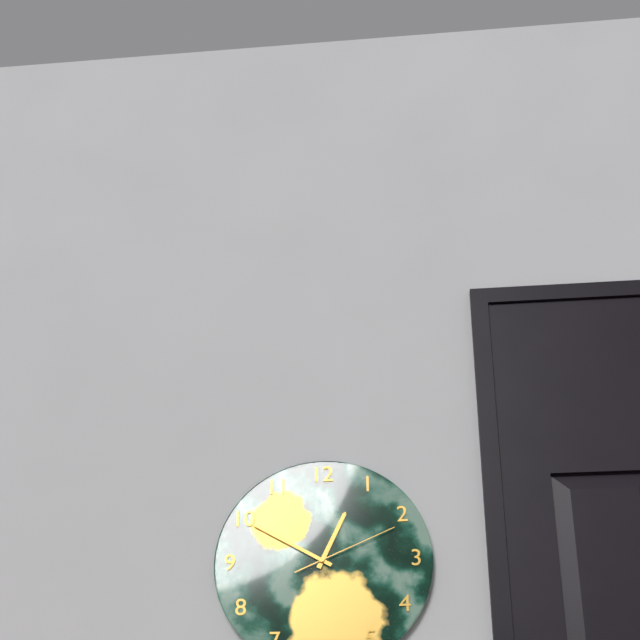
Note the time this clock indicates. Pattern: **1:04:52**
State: **12:50:11**
